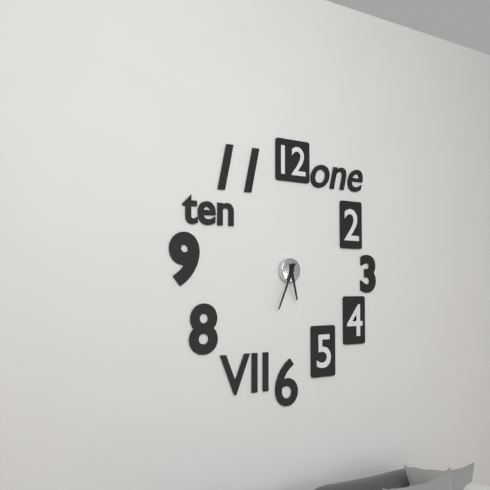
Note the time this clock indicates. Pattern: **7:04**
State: **5:34**
